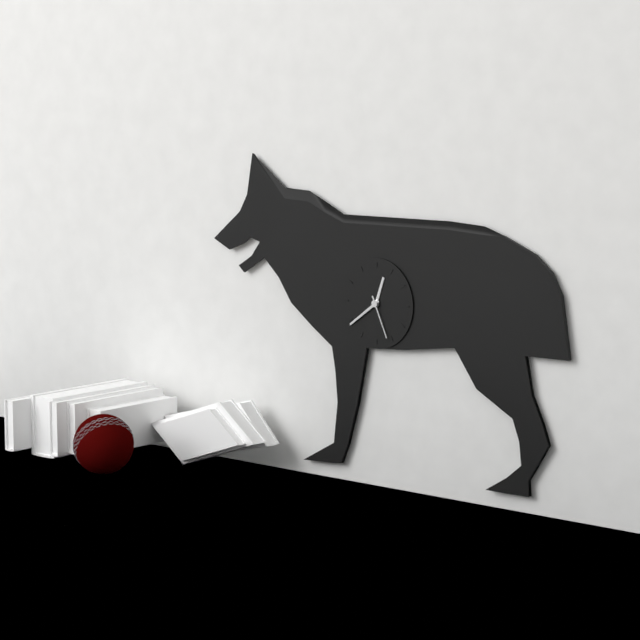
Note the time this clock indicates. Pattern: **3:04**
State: **12:39**
